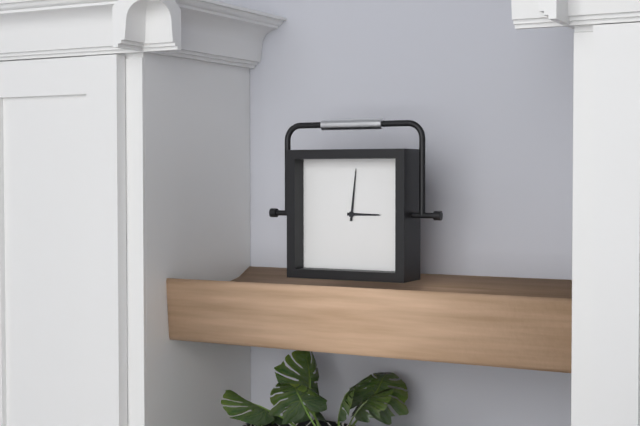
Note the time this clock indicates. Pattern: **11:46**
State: **3:01**
